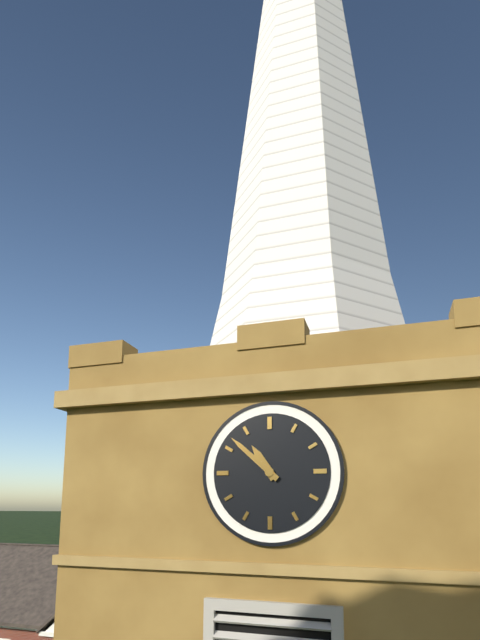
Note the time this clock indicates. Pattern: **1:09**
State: **10:52**
